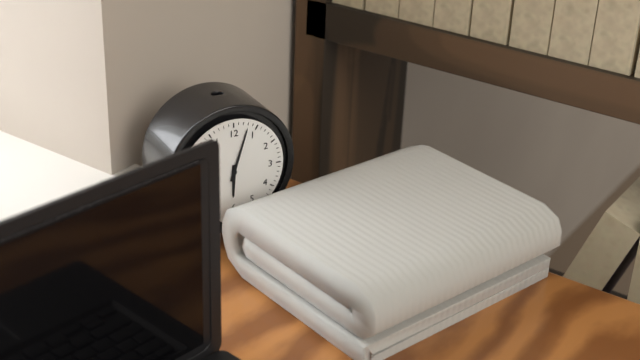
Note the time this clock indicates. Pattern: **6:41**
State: **6:03**
